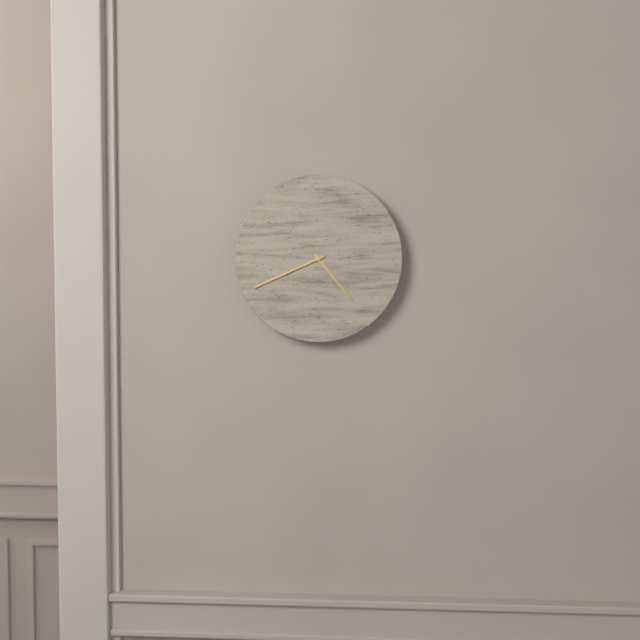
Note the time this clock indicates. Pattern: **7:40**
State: **4:41**
